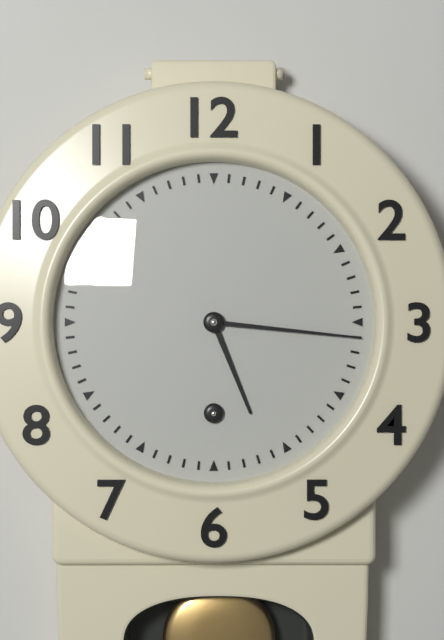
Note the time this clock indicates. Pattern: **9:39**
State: **5:16**
